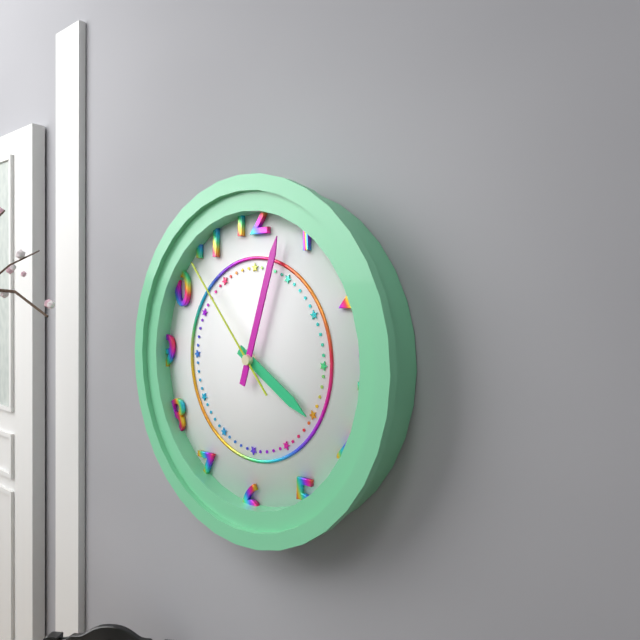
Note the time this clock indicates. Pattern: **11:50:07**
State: **4:03:53**
